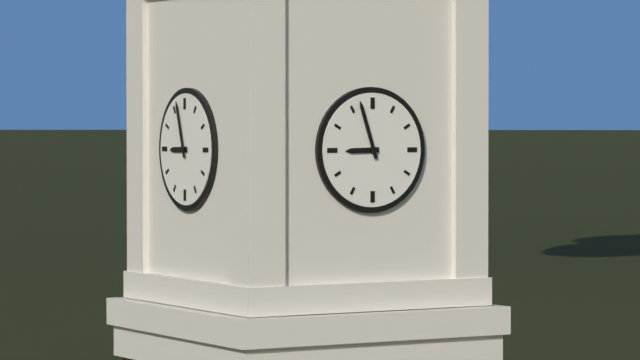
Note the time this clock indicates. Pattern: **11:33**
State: **8:57**
